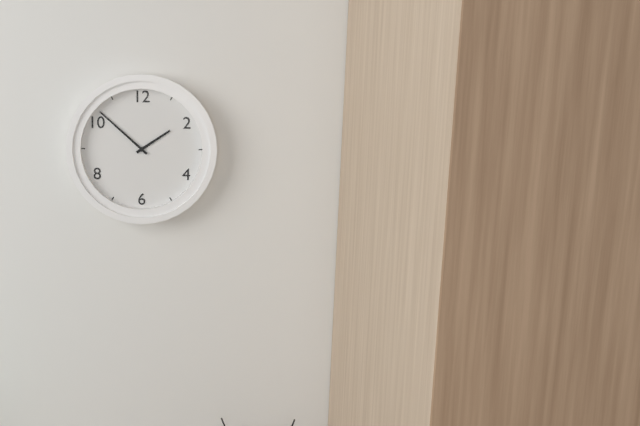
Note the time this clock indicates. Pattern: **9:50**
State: **1:52**
